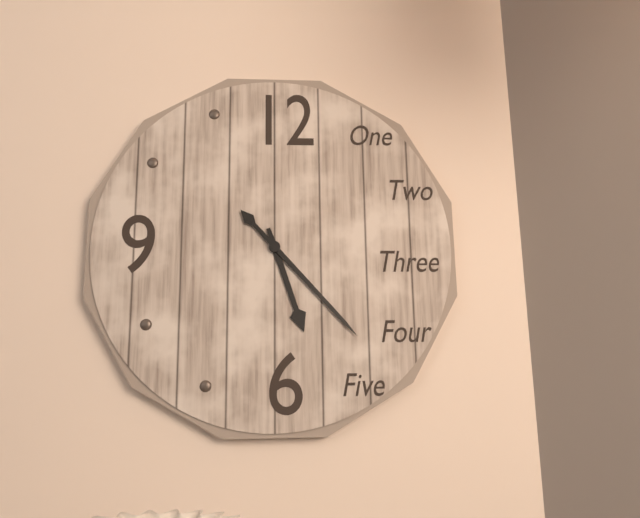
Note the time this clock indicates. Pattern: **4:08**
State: **5:23**
